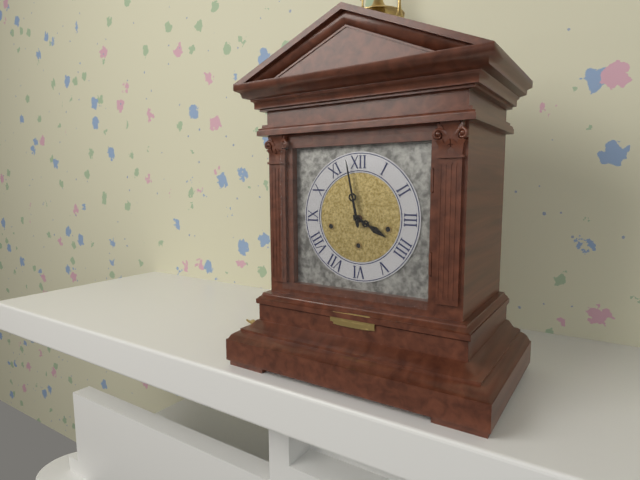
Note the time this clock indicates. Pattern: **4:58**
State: **3:58**
